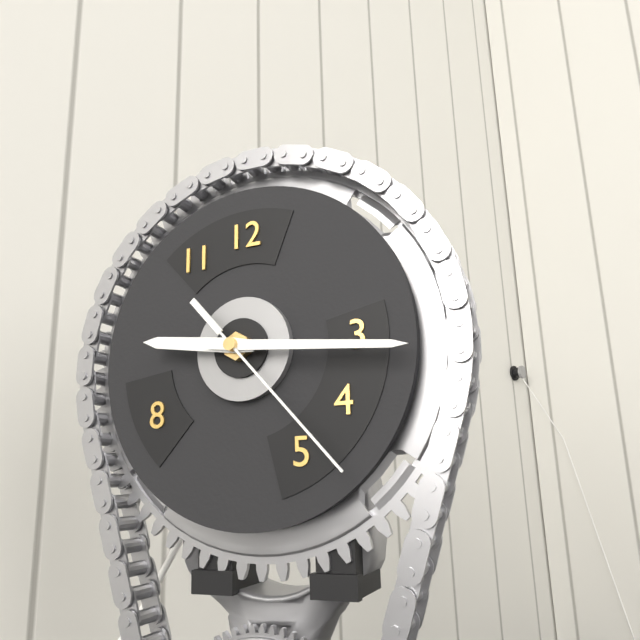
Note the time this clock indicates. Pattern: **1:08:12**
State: **9:16:23**
